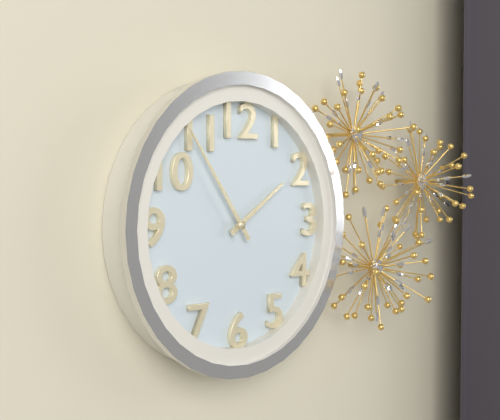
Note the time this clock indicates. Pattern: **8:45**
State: **1:54**
